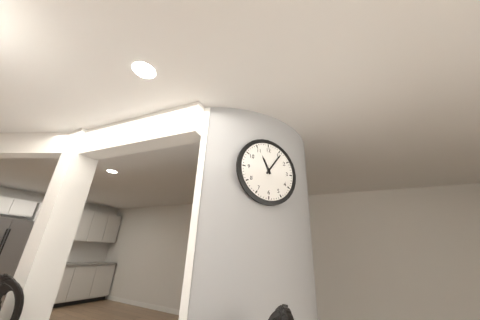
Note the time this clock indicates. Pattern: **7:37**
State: **11:06**
